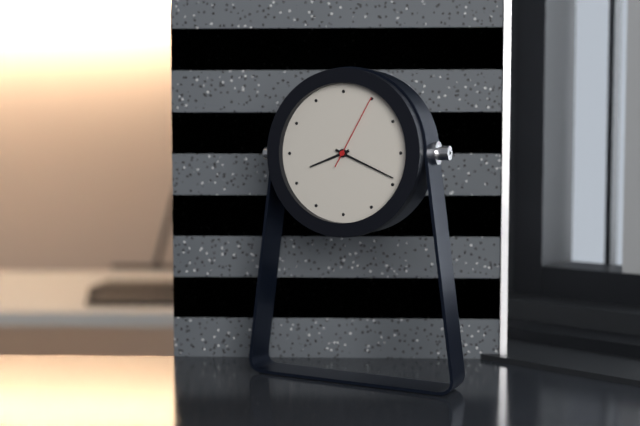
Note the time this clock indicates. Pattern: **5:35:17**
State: **8:19:05**
